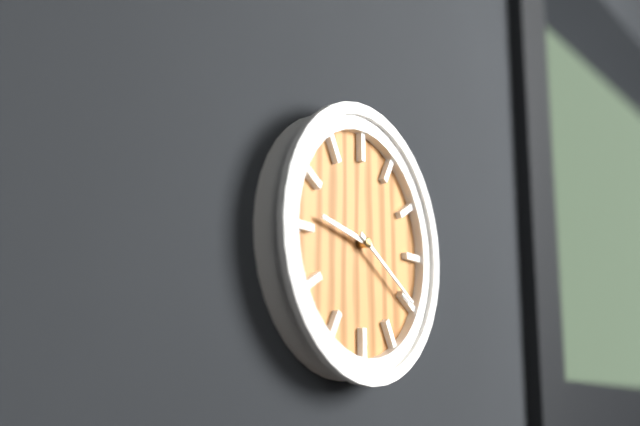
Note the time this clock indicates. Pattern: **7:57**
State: **9:20**
